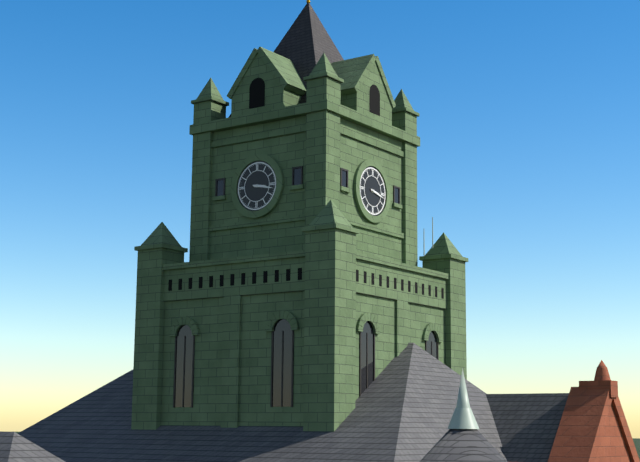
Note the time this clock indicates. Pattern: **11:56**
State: **3:17**
